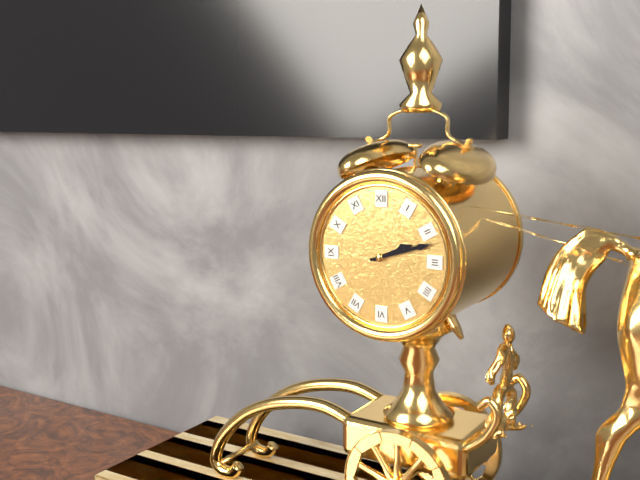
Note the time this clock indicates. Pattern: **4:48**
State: **2:12**
